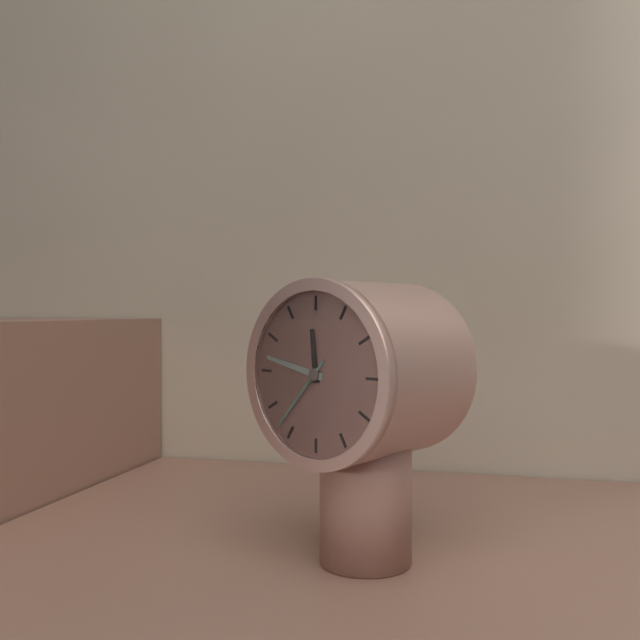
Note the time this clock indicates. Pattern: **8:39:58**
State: **11:47:37**
